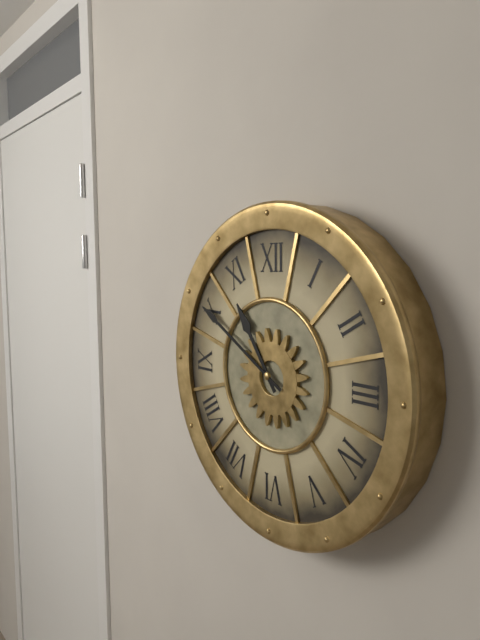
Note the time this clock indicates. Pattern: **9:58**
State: **10:50**
